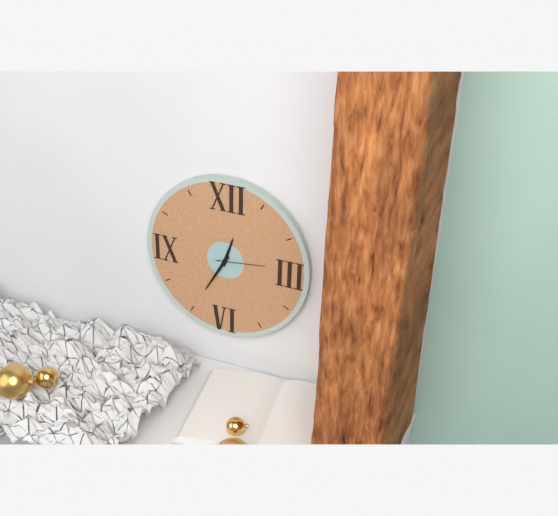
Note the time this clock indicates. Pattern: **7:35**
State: **12:35**
